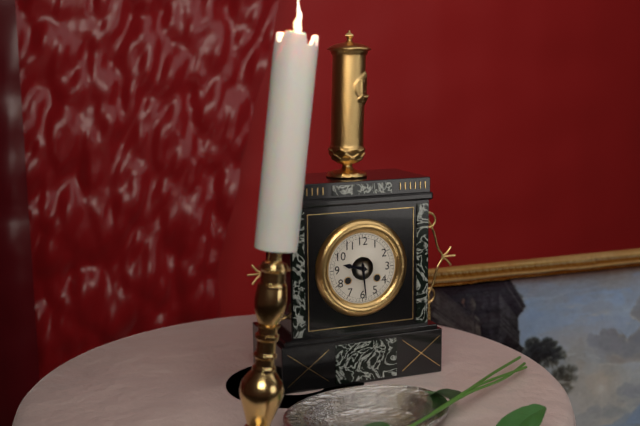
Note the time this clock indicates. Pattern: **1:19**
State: **9:29**
